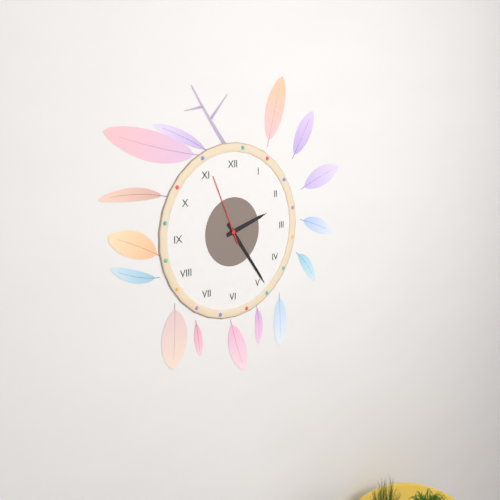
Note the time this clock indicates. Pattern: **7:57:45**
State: **2:24:56**
